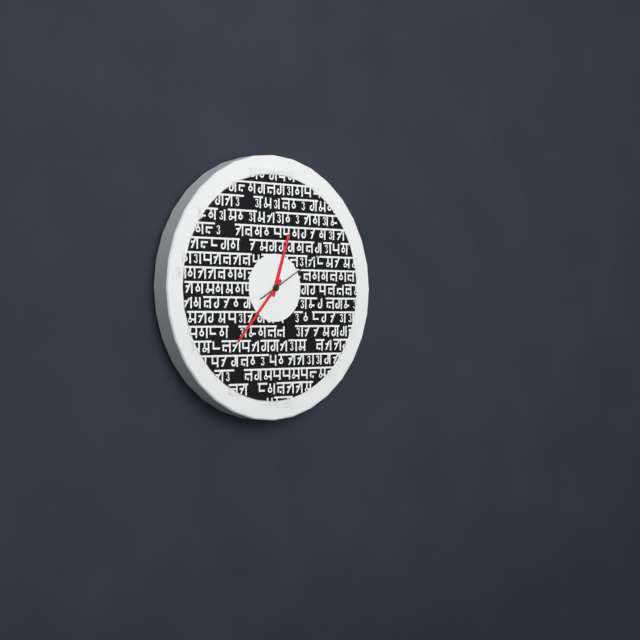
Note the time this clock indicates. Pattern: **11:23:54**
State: **12:37:10**
